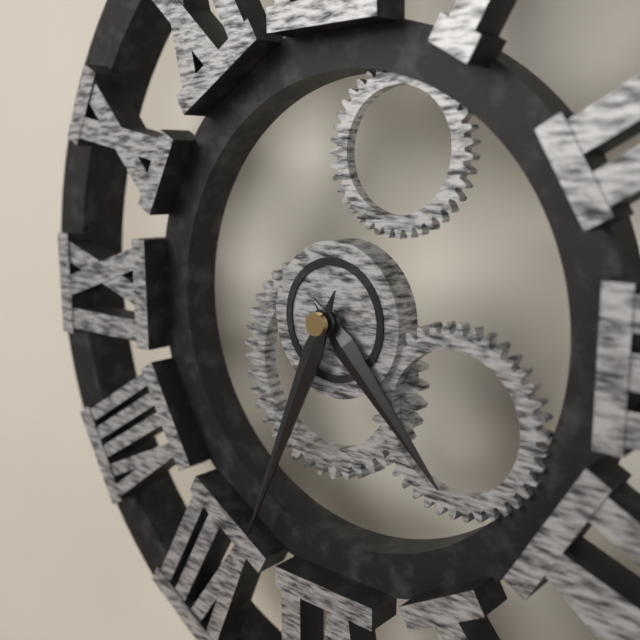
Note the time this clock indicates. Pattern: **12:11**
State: **4:34**
